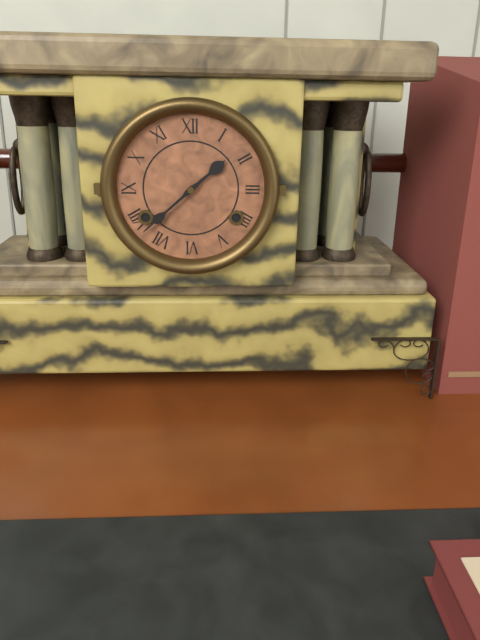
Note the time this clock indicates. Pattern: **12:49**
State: **1:38**
